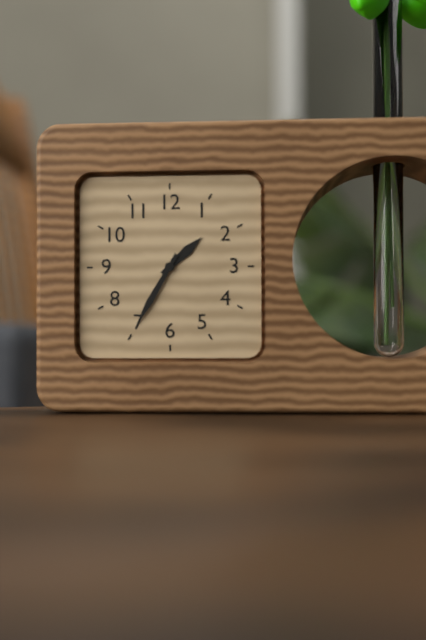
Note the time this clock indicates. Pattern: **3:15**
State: **1:35**
